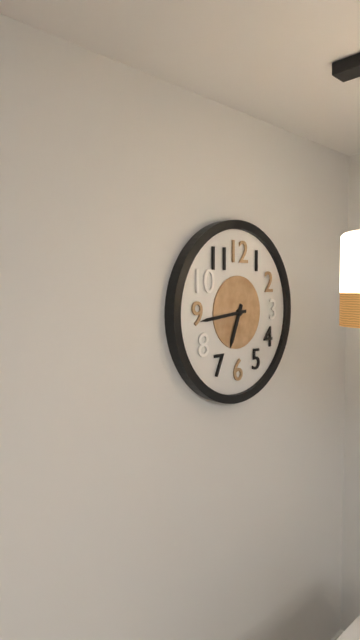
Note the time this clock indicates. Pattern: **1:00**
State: **6:44**
